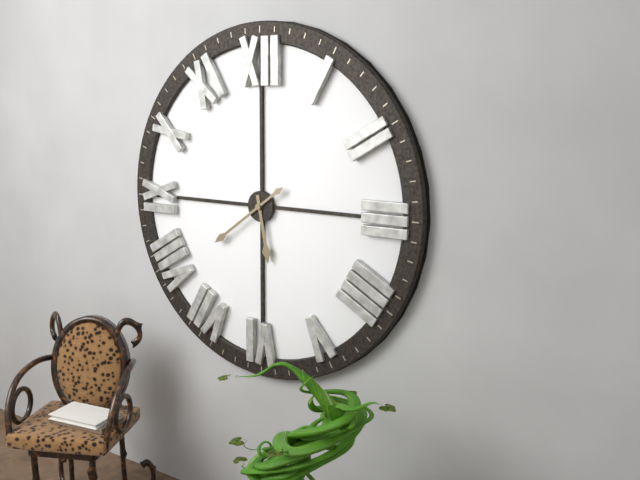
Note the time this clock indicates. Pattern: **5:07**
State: **5:39**
